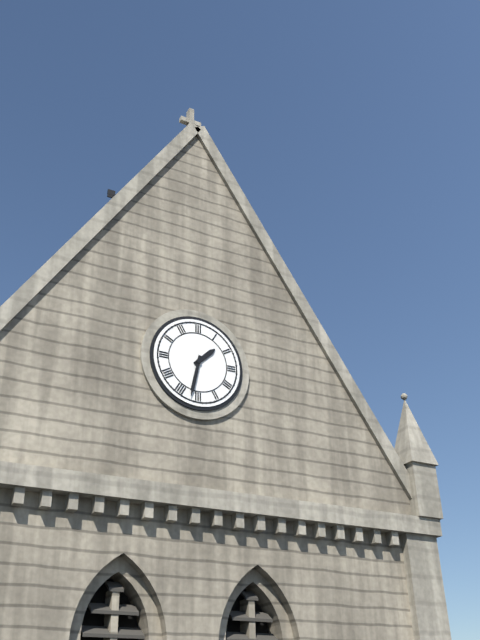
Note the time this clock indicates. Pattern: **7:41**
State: **1:32**
